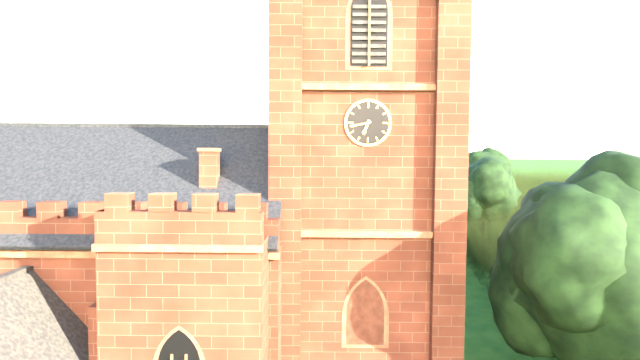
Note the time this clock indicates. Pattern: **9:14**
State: **6:43**
